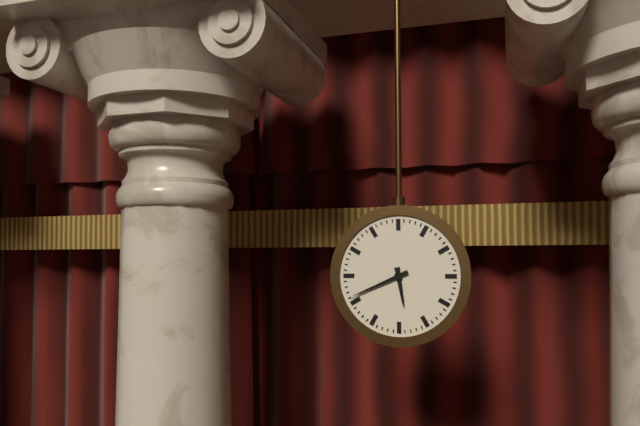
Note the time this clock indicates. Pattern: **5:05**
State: **5:41**
